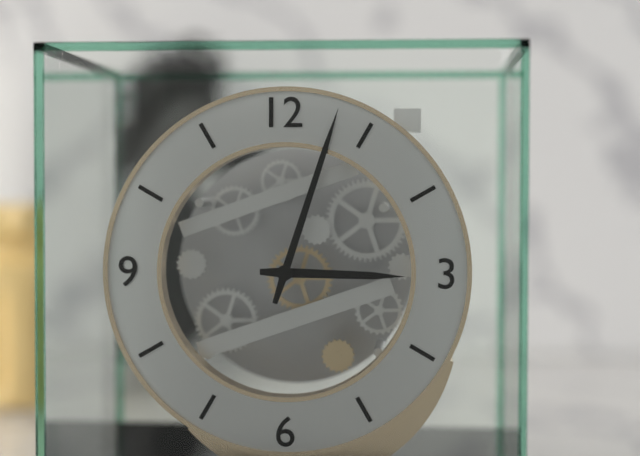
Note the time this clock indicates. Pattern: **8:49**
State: **3:03**
